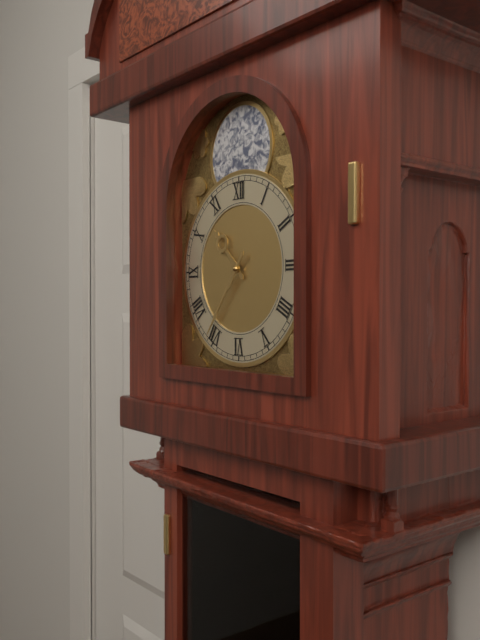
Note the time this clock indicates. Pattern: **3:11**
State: **10:36**
